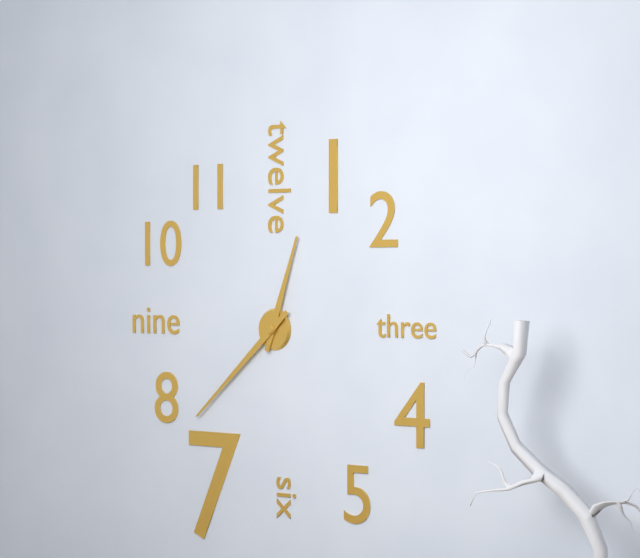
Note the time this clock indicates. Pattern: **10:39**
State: **12:38**
